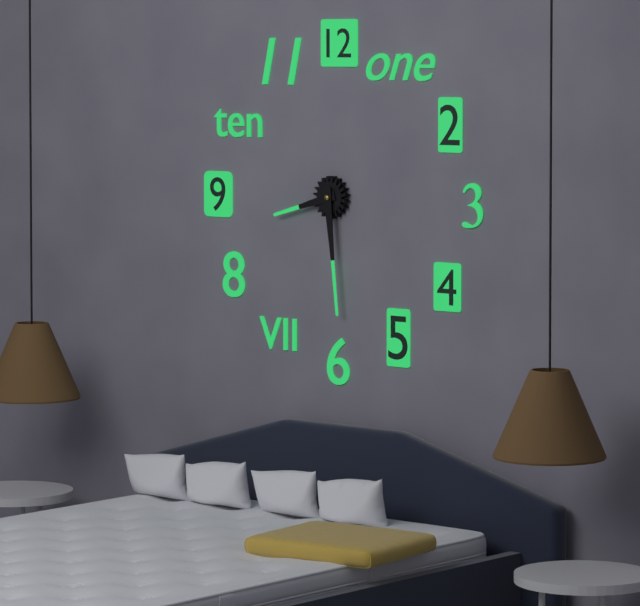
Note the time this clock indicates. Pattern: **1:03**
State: **8:29**
